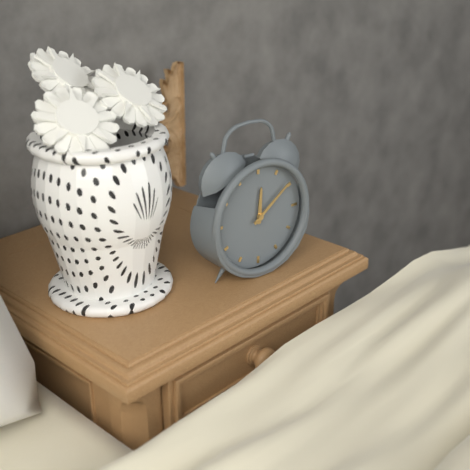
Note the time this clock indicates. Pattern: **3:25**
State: **12:09**
